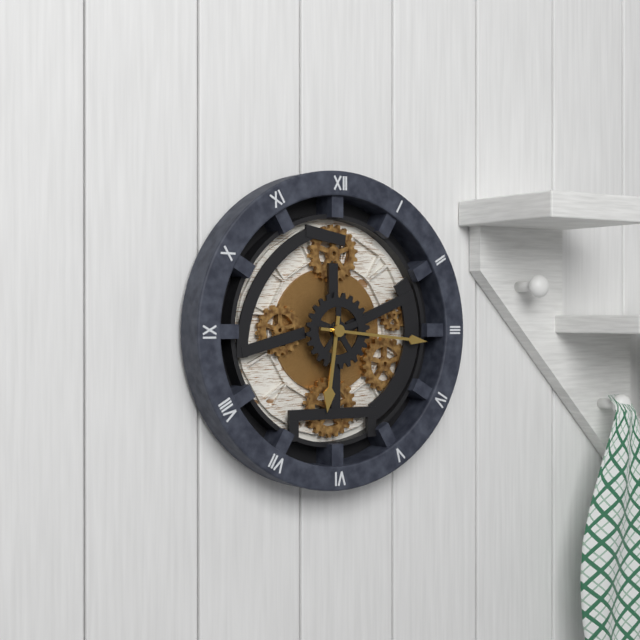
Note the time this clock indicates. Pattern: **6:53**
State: **6:16**
